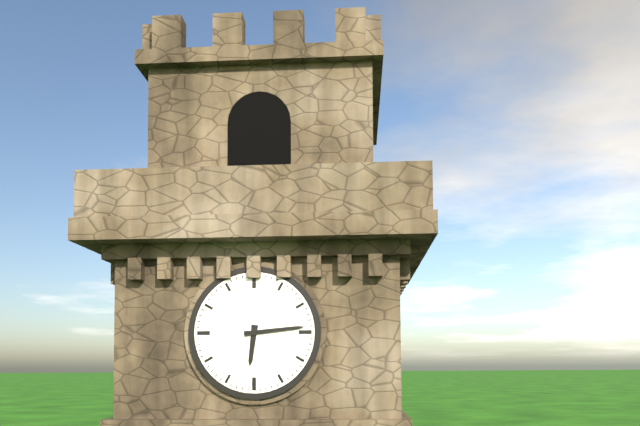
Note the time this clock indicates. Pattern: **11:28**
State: **6:14**
